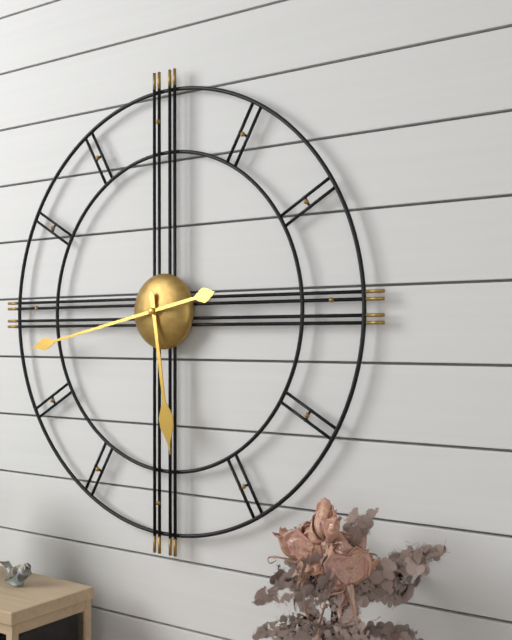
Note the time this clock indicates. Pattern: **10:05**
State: **5:43**
